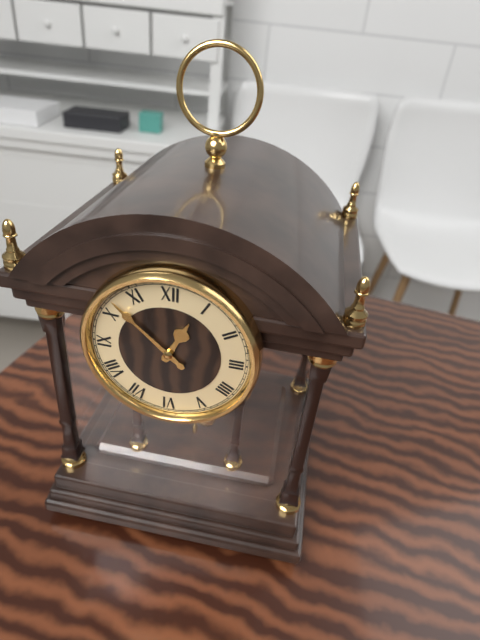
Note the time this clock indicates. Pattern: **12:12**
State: **12:52**
